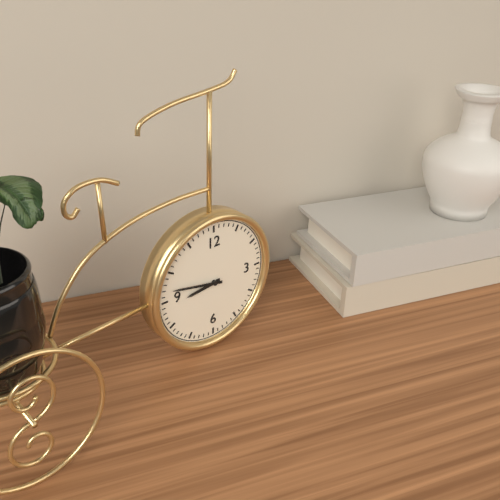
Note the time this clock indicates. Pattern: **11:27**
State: **8:47**
